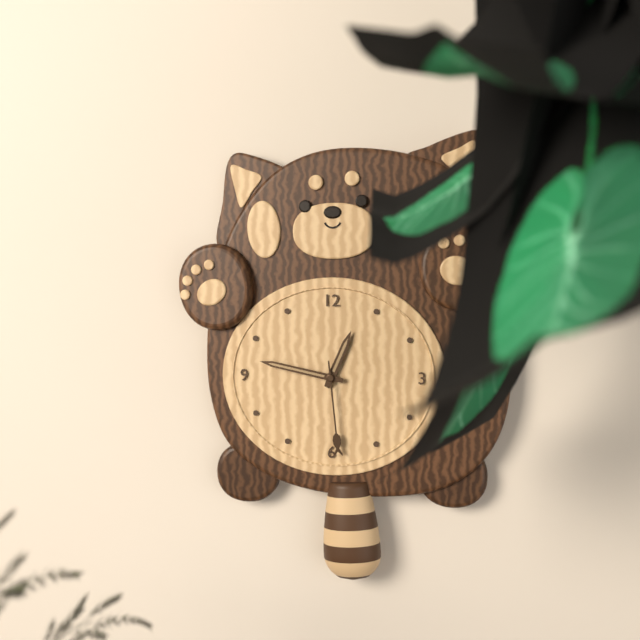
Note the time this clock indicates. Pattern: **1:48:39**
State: **12:47:29**
